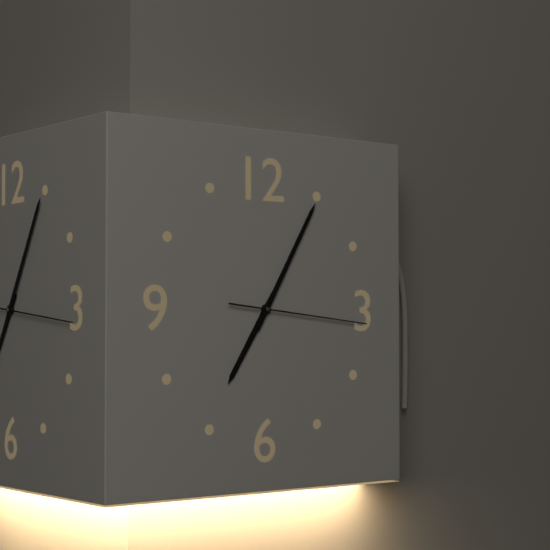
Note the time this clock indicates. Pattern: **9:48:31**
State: **7:05:16**
